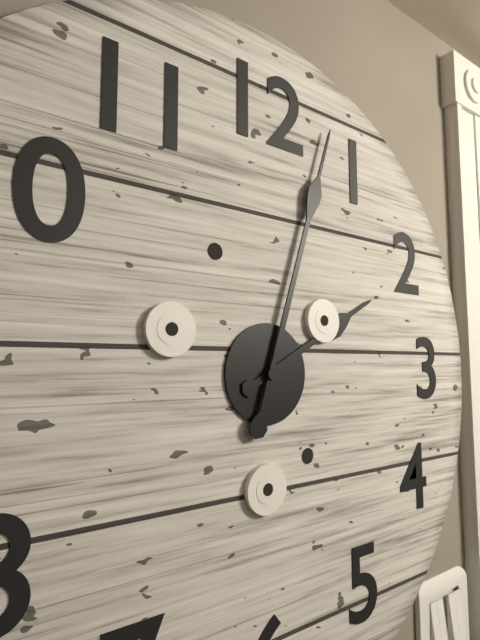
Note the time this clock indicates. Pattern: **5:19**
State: **2:03**
